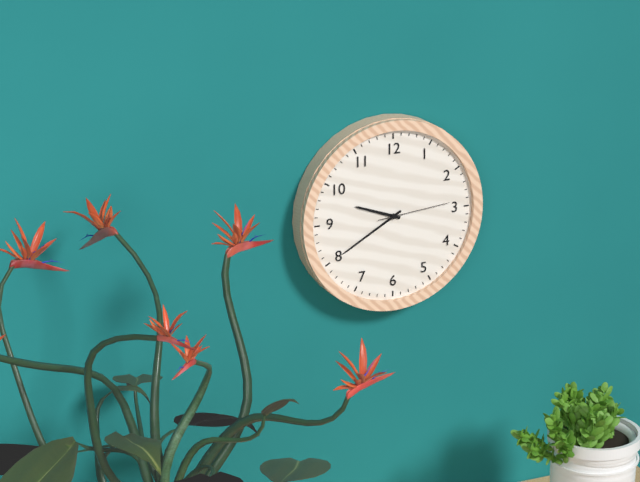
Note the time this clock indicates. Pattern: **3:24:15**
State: **9:40:14**
